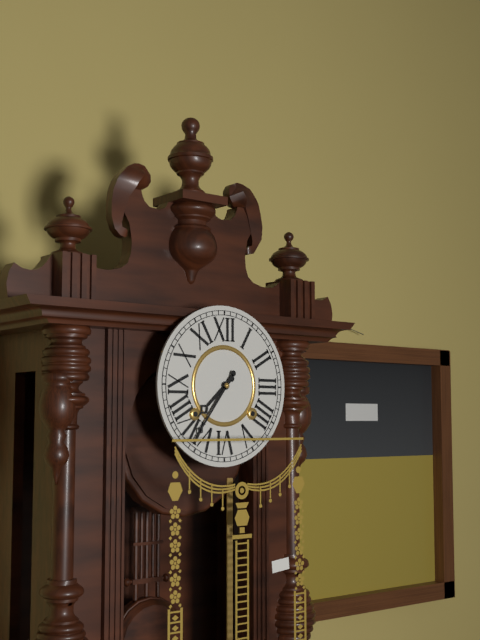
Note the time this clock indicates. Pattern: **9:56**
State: **7:36**
